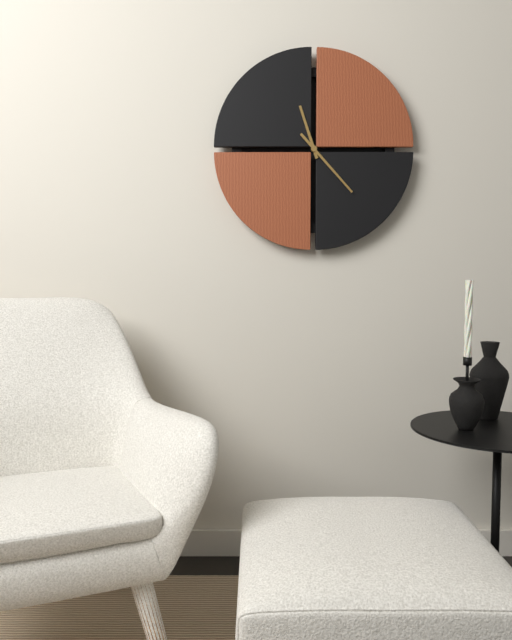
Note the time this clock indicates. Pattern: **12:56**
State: **11:23**
